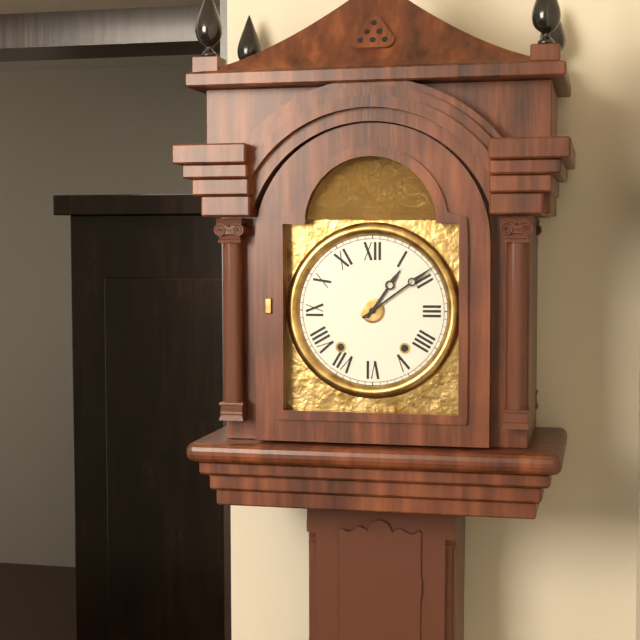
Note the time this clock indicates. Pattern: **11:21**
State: **1:09**
